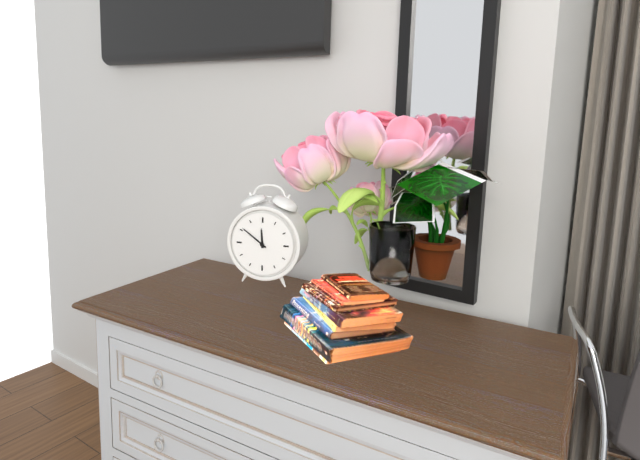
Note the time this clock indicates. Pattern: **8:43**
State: **11:51**
